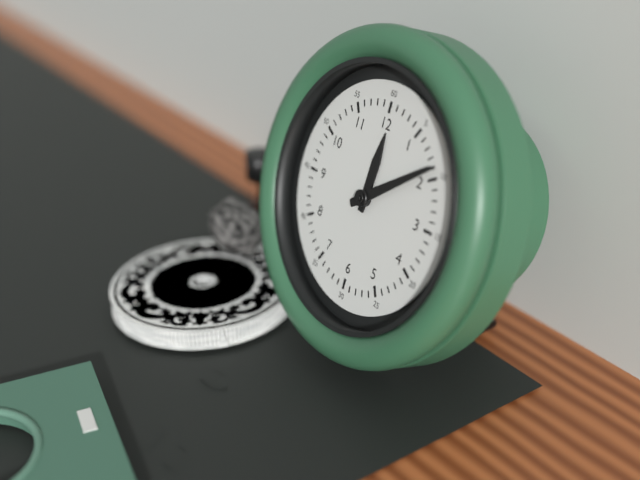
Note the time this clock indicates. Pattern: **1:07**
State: **12:09**
